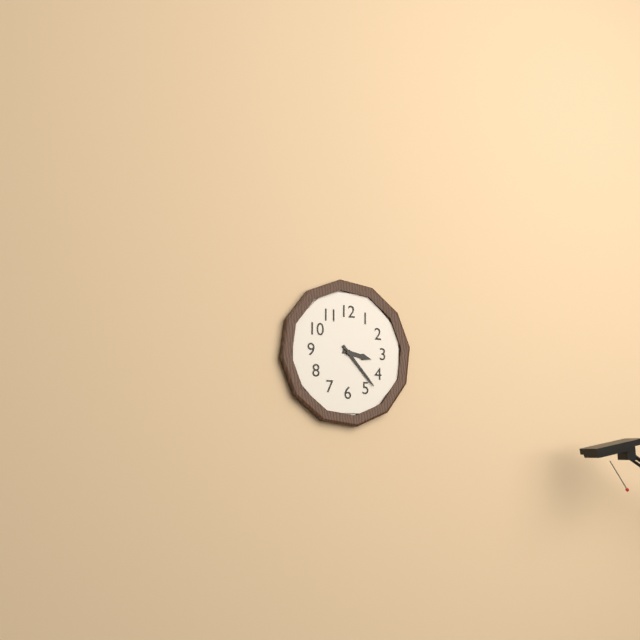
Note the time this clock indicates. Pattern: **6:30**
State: **3:23**
